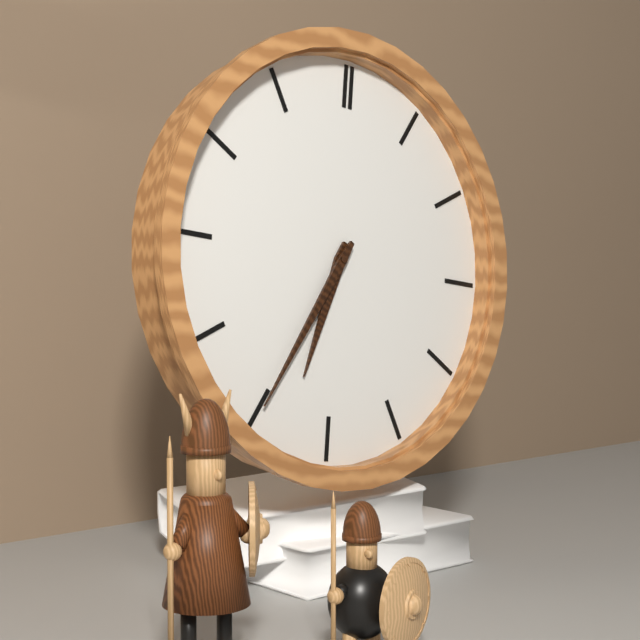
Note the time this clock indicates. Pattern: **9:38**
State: **6:35**
